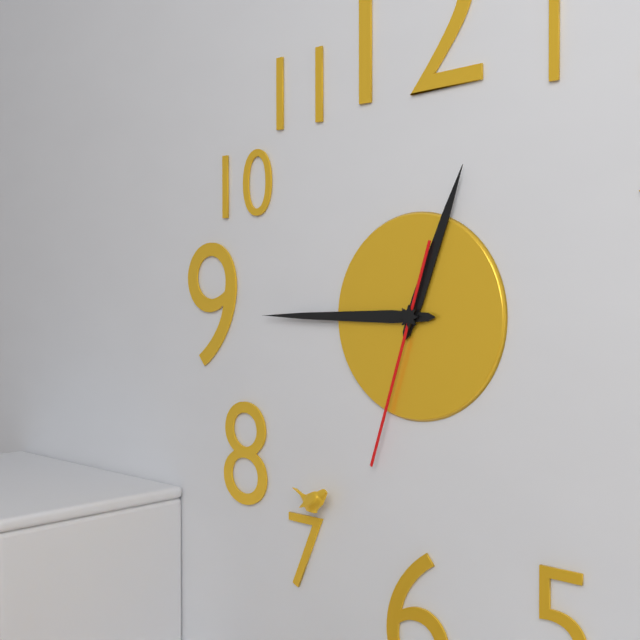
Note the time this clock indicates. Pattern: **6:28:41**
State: **12:45:33**
